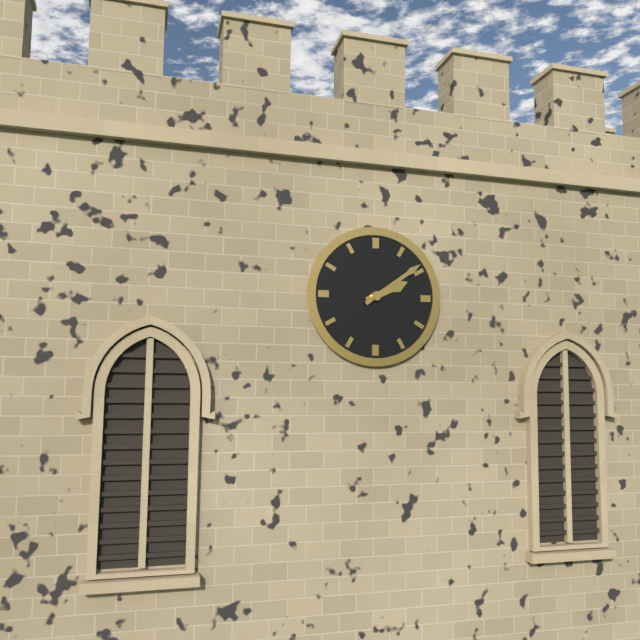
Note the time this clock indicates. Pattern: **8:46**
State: **2:09**
